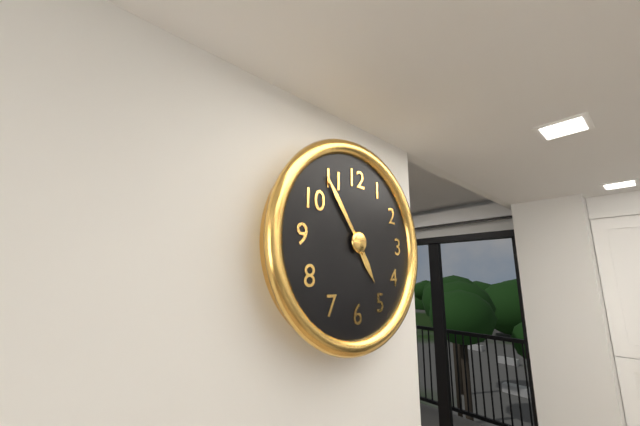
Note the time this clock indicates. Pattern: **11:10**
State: **4:54**
